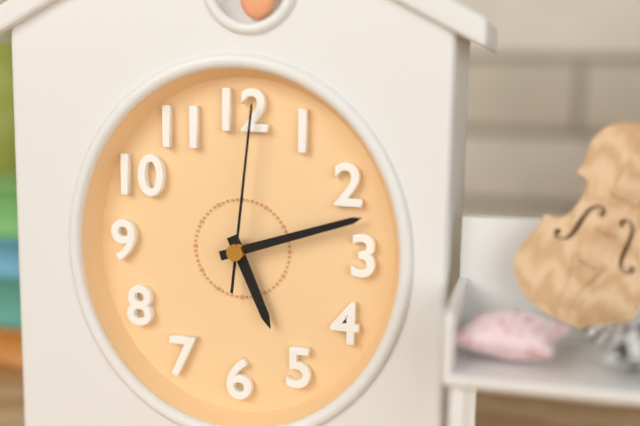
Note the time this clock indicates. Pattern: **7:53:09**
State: **5:12:01**
